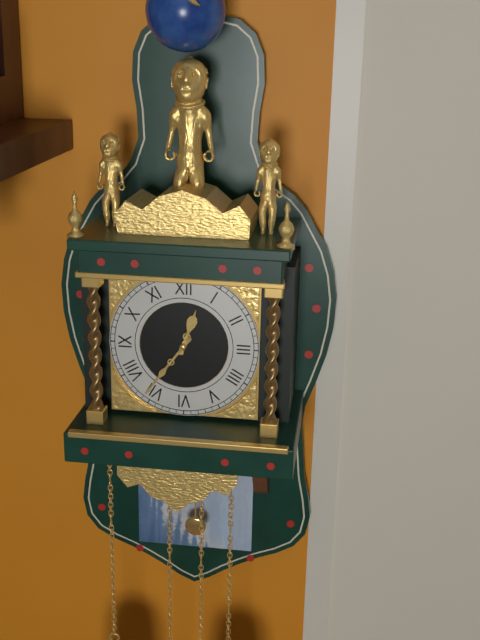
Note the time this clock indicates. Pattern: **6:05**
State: **12:36**
